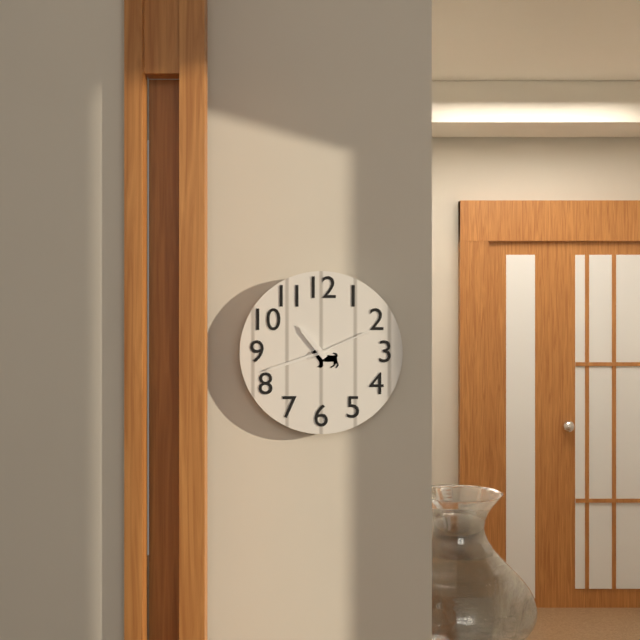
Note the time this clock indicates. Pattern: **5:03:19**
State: **10:42:11**
